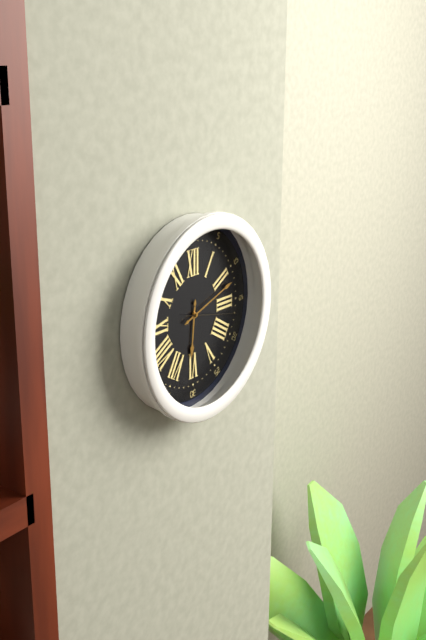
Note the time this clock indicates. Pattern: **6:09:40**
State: **6:12:17**
